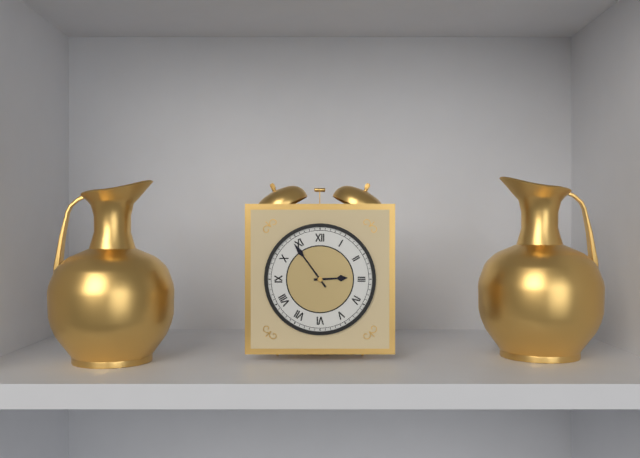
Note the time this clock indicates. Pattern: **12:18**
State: **2:54**
